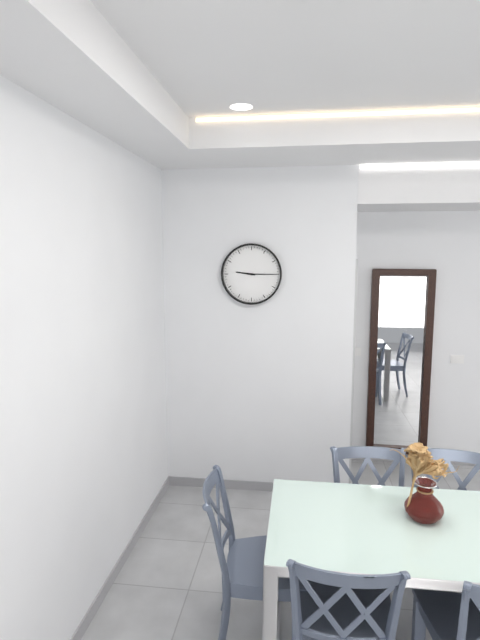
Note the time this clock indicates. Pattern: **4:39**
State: **9:15**
